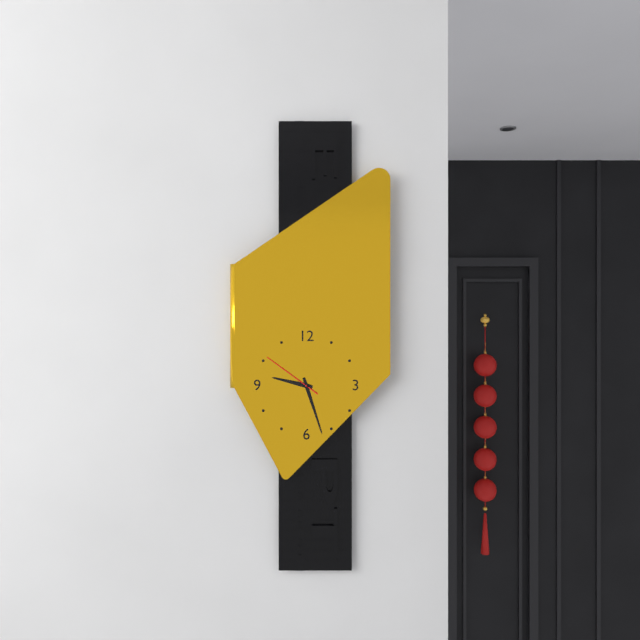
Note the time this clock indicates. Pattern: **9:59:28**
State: **9:27:51**
